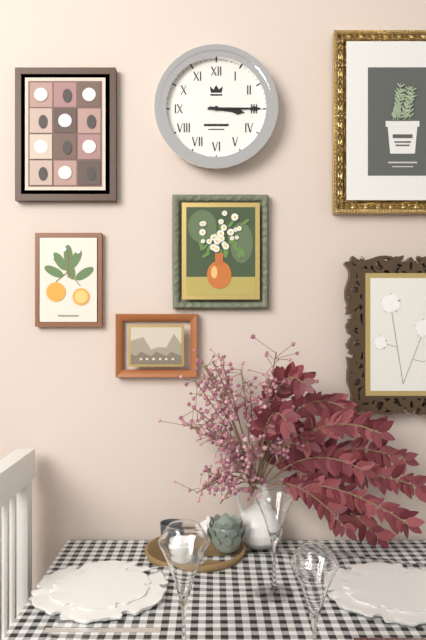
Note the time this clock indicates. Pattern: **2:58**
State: **3:15**
